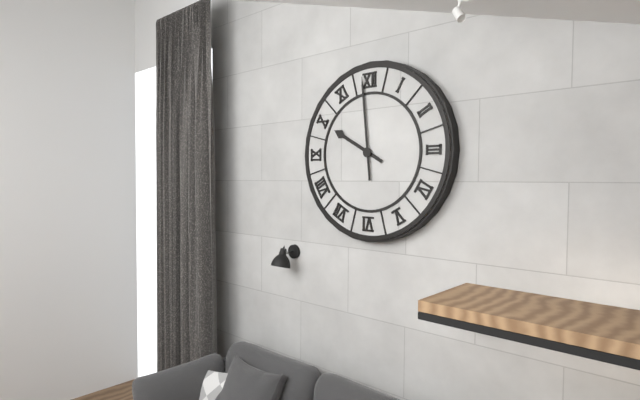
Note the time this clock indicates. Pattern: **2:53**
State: **9:59**
